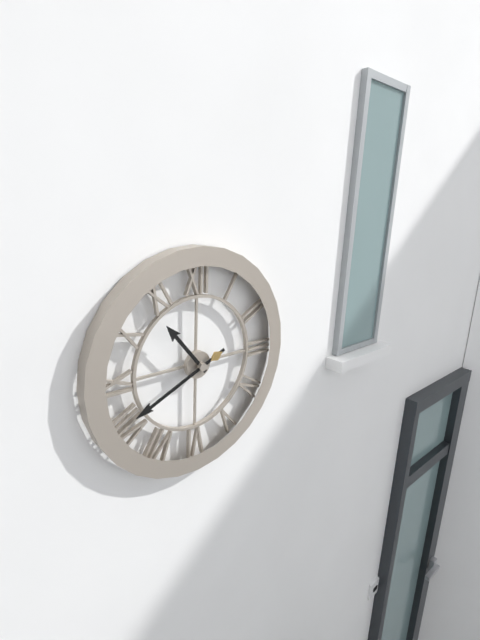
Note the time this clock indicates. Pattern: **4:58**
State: **10:41**
